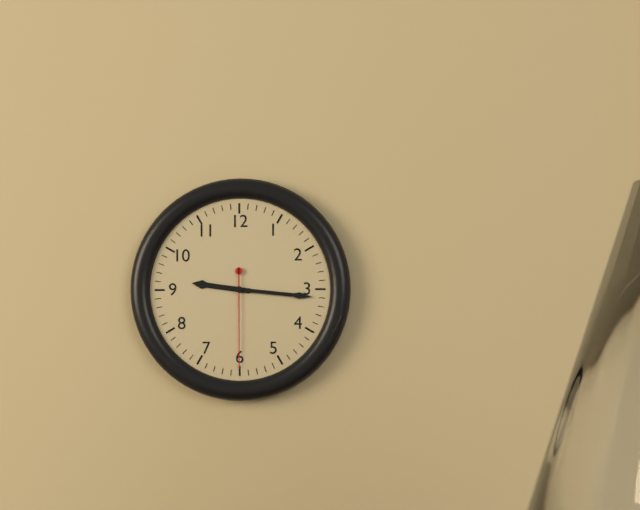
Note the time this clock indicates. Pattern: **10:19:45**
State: **9:16:30**
